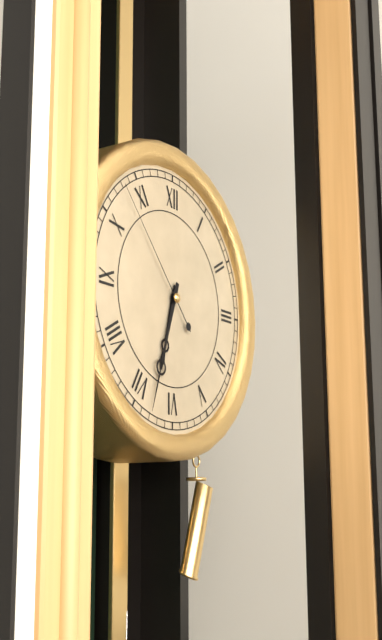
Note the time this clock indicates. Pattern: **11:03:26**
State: **6:33:53**
